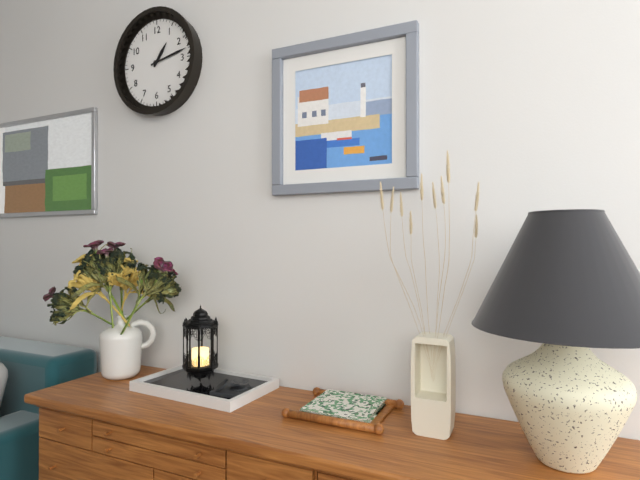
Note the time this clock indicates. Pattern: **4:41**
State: **1:13**
